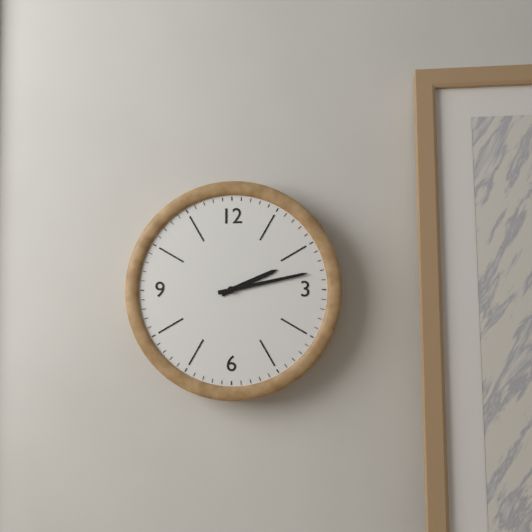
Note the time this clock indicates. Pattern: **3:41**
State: **2:13**
